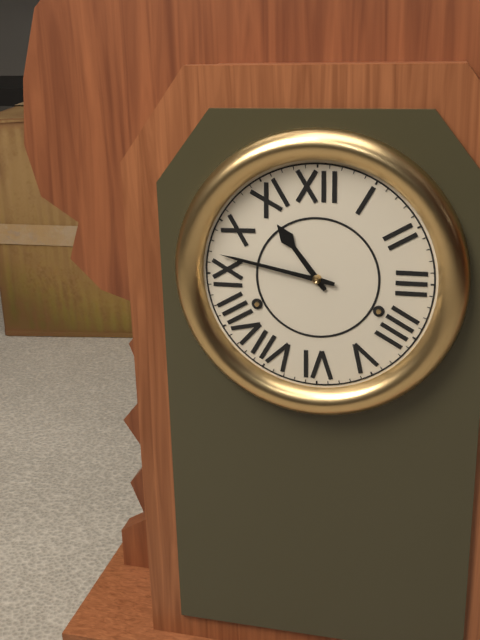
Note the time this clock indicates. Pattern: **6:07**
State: **10:47**
